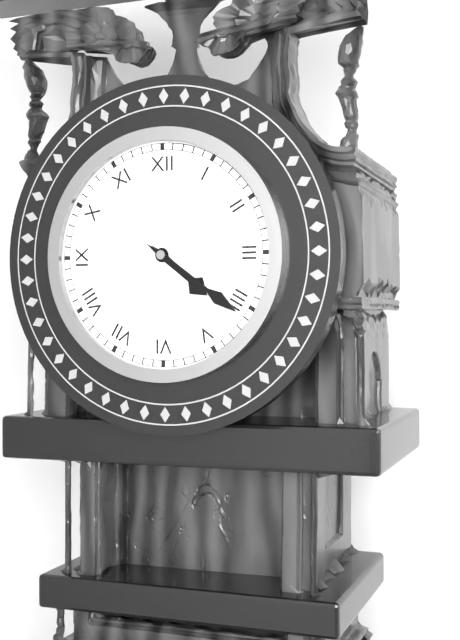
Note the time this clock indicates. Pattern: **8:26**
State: **4:21**
